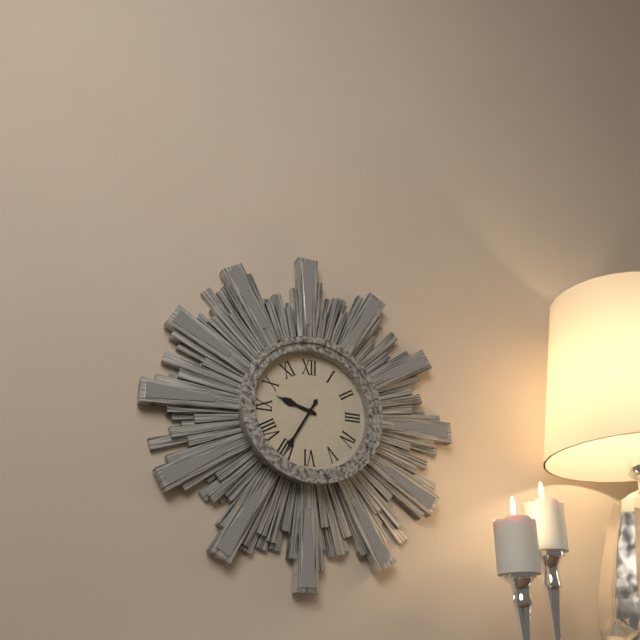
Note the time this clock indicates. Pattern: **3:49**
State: **9:35**
